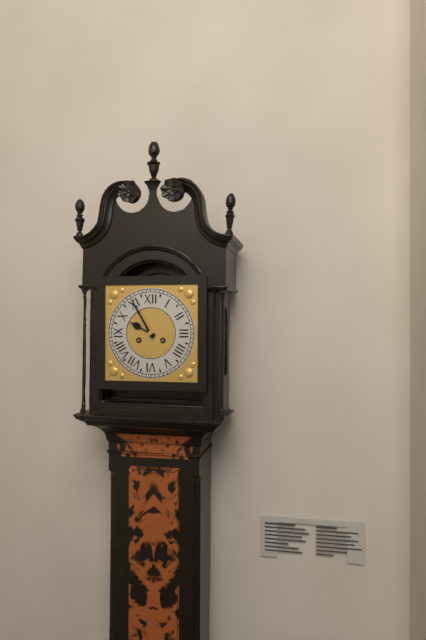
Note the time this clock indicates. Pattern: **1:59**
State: **9:55**
